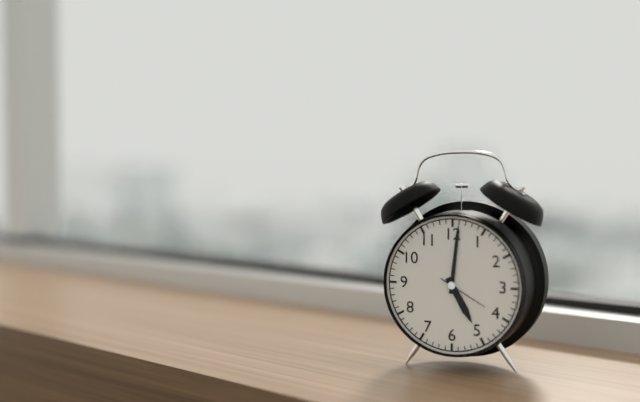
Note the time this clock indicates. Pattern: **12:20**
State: **5:01**
